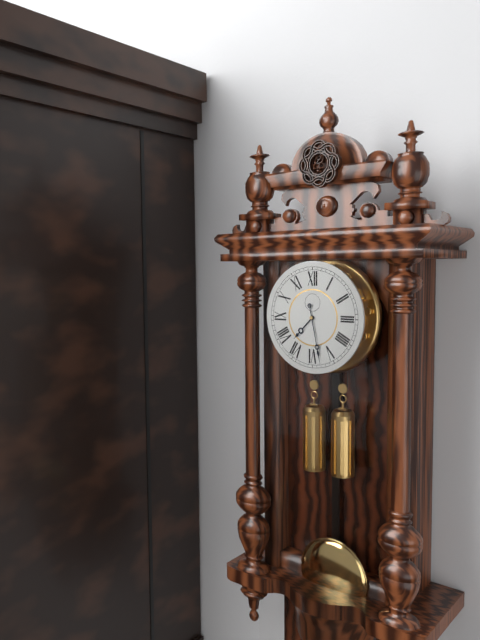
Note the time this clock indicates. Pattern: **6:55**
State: **7:28**
